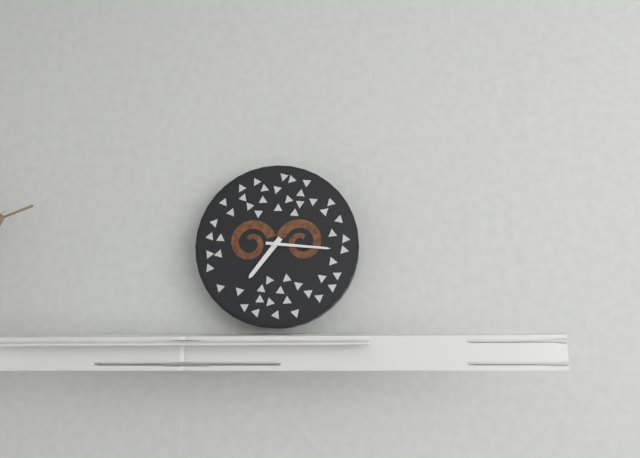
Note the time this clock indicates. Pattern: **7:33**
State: **7:16**
